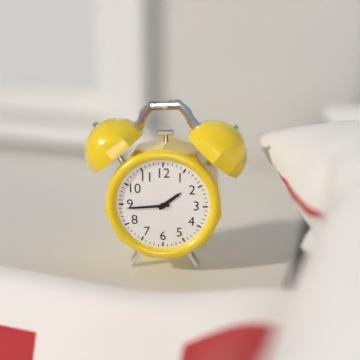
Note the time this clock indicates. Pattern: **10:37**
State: **1:44**
